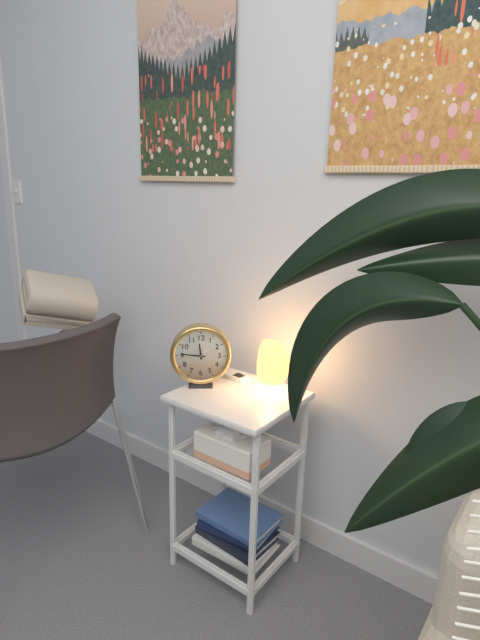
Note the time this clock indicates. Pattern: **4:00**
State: **11:46**
